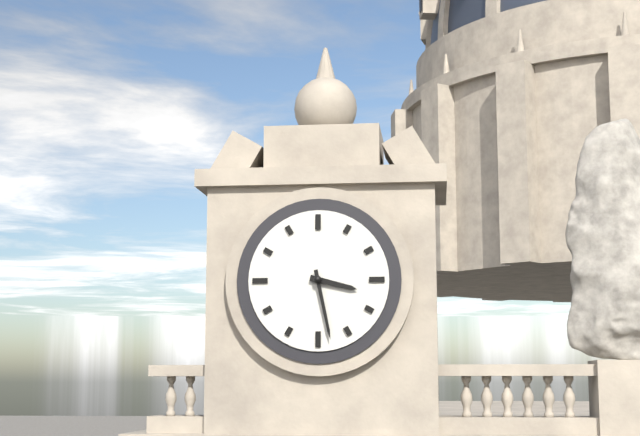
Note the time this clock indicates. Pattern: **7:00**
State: **3:28**
